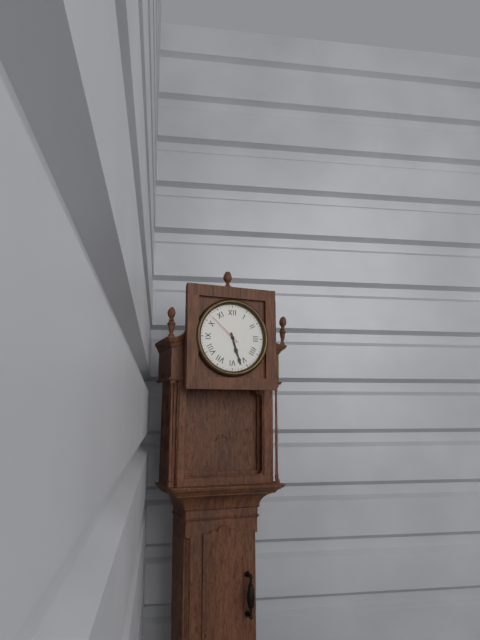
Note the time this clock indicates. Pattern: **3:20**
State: **5:27**
